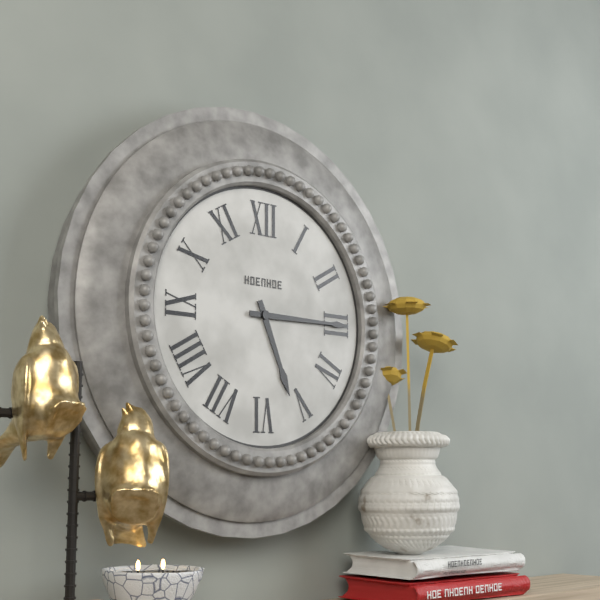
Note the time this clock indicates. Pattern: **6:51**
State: **5:15**
